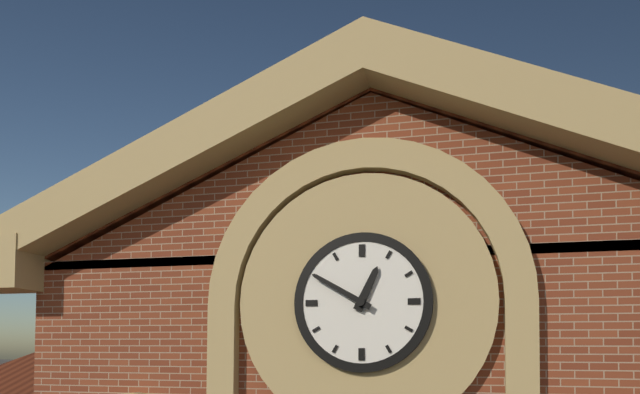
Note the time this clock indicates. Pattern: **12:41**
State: **12:50**
